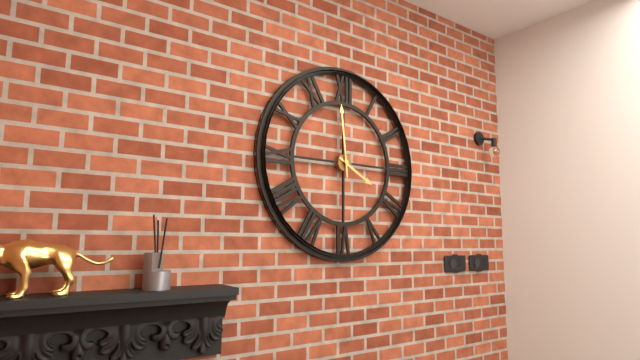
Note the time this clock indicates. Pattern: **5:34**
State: **3:59**
